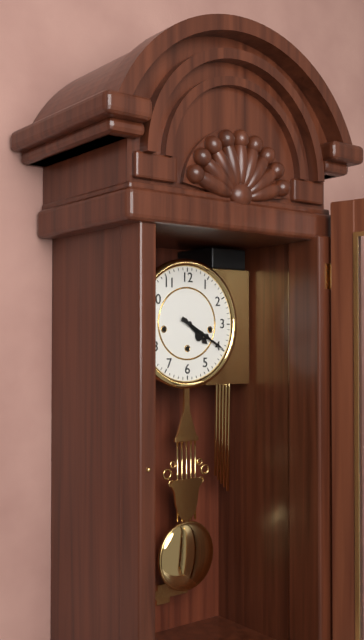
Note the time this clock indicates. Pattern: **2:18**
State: **4:20**
